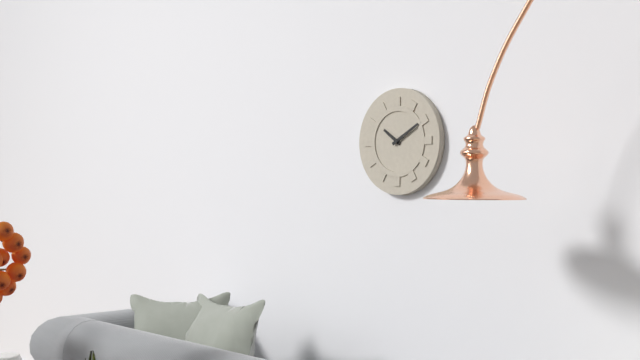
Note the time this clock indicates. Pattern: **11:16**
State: **10:10**
